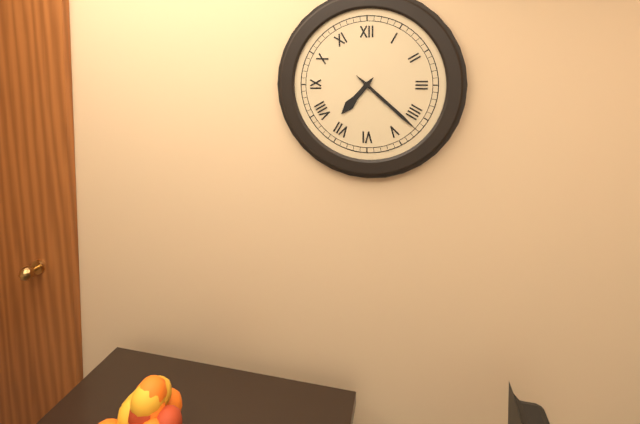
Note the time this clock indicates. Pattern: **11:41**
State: **7:22**
